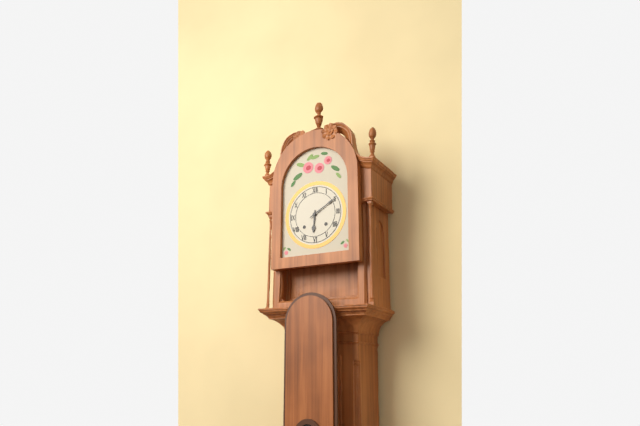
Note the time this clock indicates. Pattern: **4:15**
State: **6:10**
